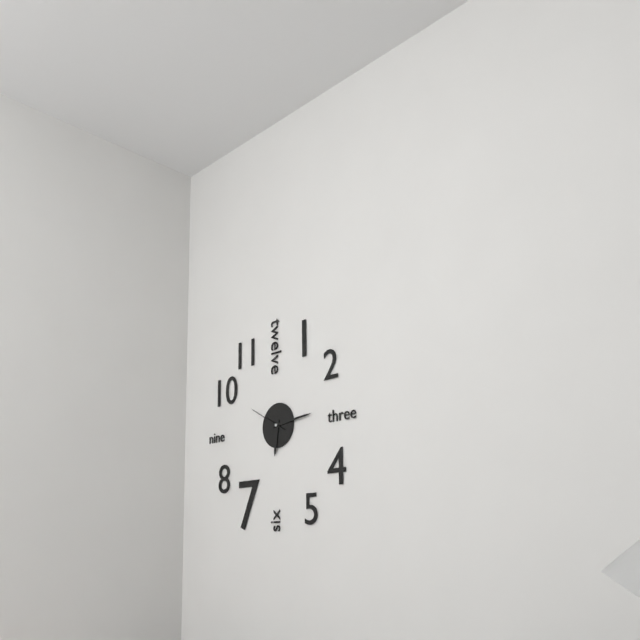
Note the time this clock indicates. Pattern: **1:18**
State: **6:14**
